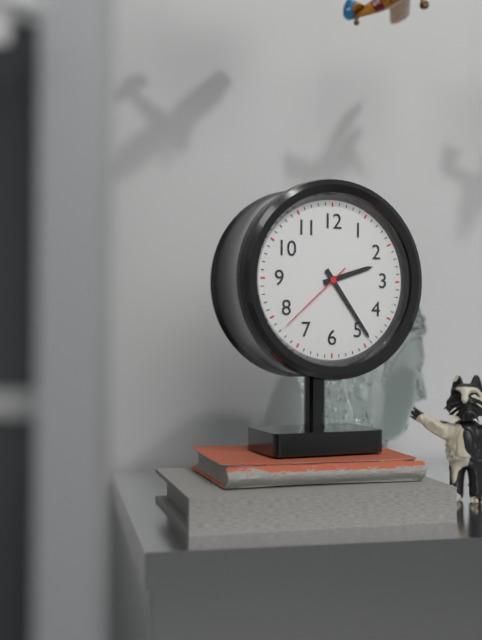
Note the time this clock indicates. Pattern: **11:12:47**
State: **2:24:38**
